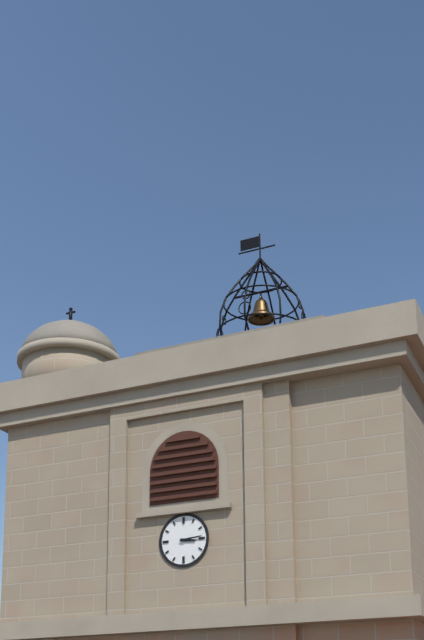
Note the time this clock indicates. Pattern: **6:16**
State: **3:14**
